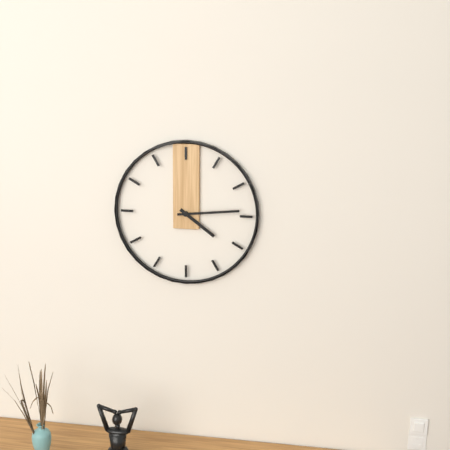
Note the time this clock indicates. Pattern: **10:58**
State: **4:14**
